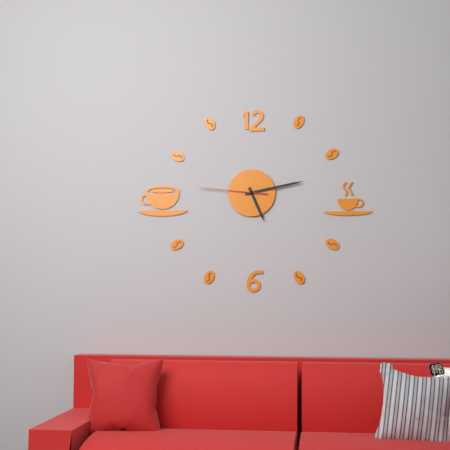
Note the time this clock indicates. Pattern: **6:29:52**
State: **5:13:46**
